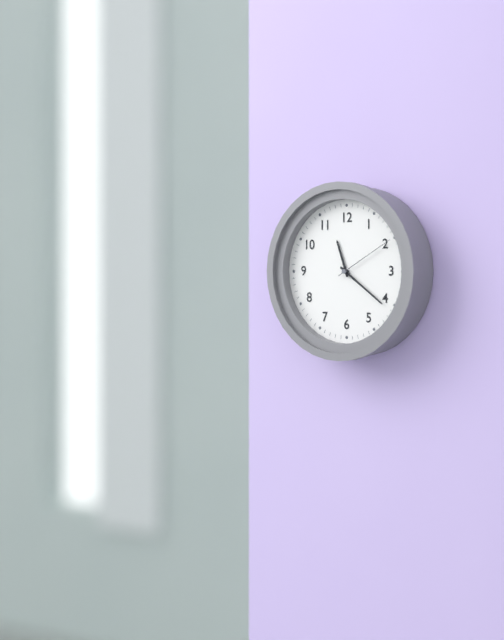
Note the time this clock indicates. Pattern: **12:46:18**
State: **11:21:10**
